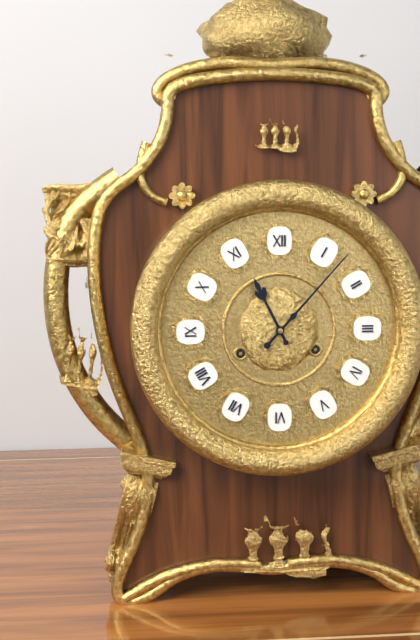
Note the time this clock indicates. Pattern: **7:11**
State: **11:07**
